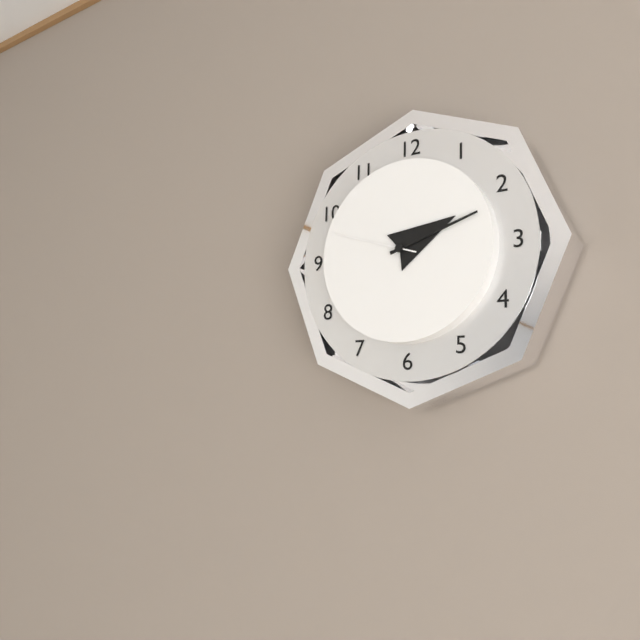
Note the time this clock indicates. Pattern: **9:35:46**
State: **2:12:48**
